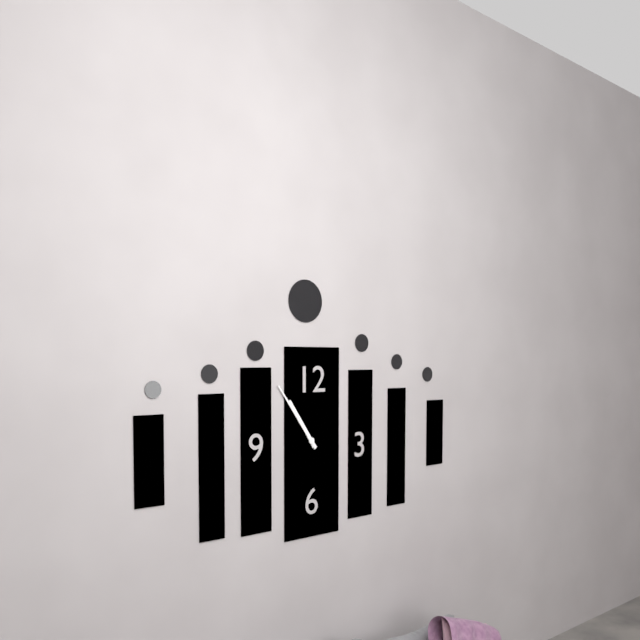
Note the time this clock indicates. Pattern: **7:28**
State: **10:54**
